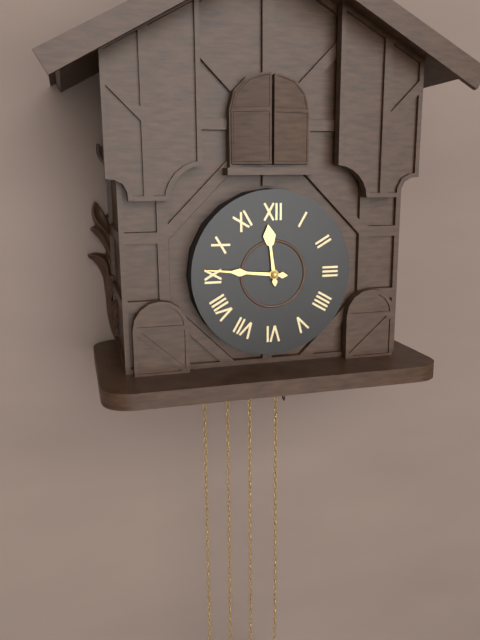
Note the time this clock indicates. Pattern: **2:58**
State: **11:46**
